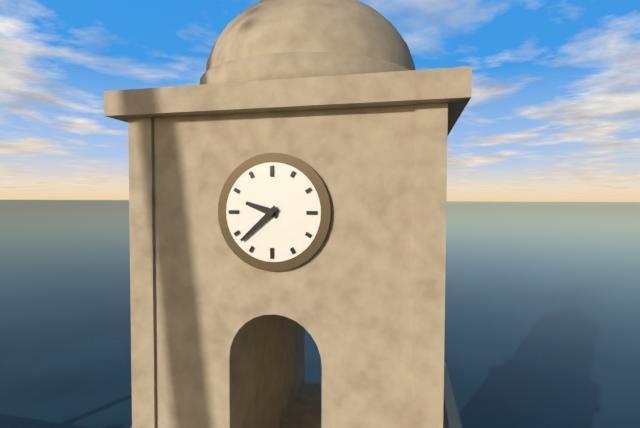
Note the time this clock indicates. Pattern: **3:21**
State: **9:38**
